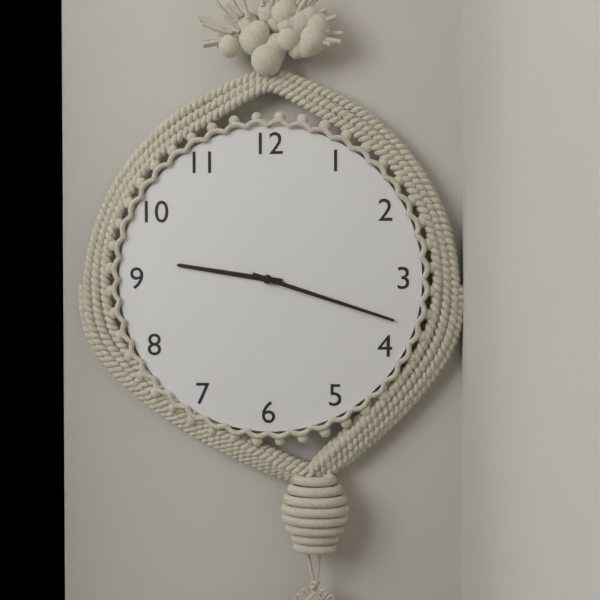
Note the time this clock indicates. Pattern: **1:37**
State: **9:18**
